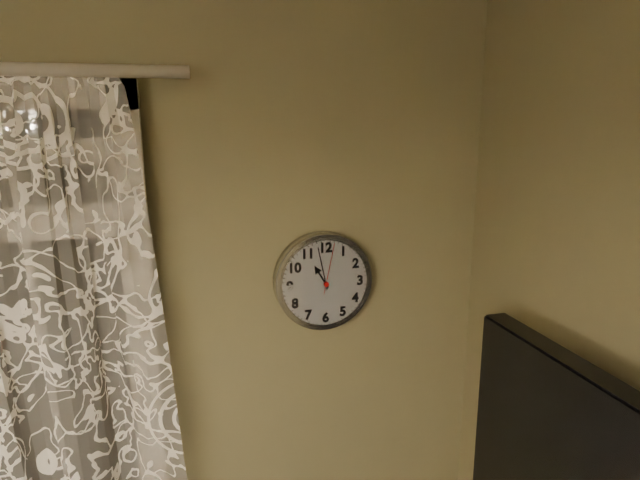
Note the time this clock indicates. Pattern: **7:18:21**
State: **10:58:02**
